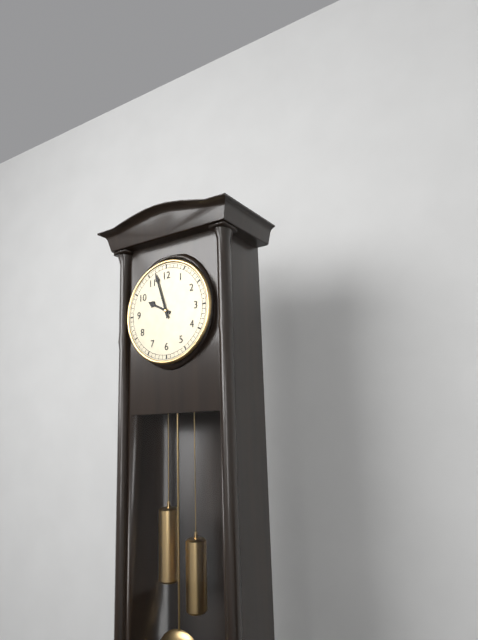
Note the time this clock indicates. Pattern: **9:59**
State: **9:57**
